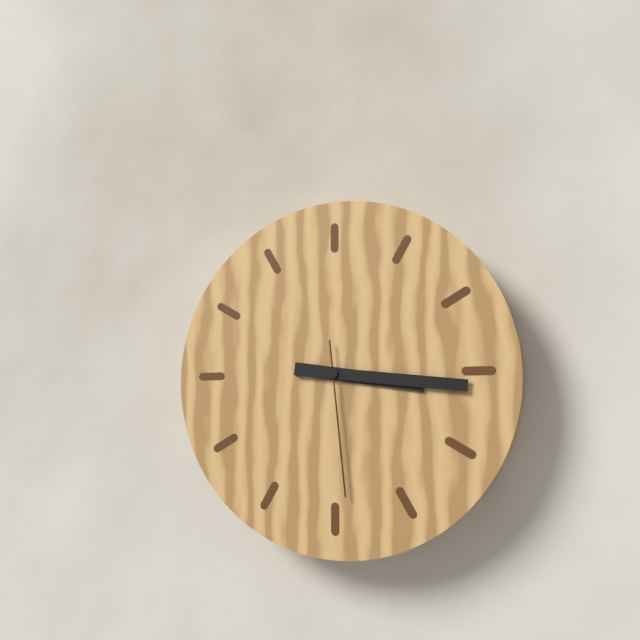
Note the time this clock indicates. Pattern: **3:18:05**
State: **3:16:29**
